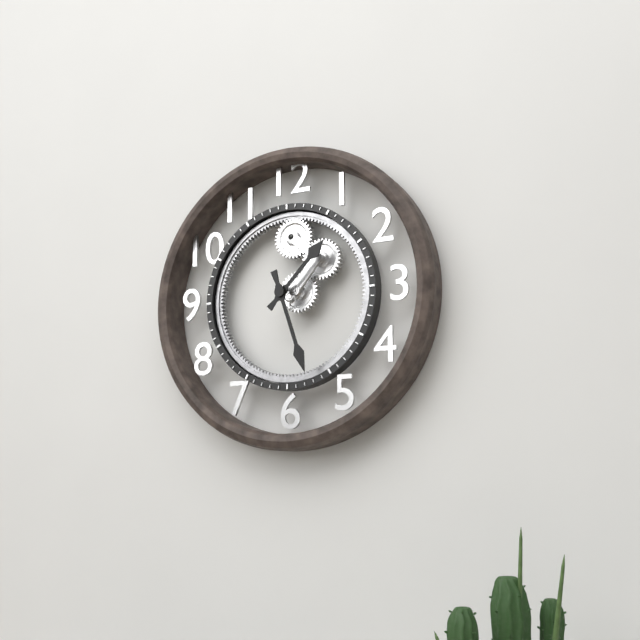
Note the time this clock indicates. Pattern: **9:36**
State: **1:27**
